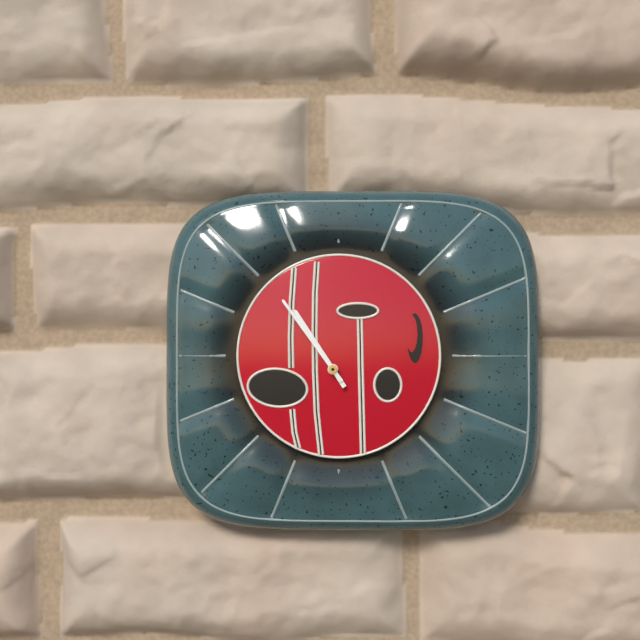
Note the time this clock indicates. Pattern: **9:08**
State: **10:54**
